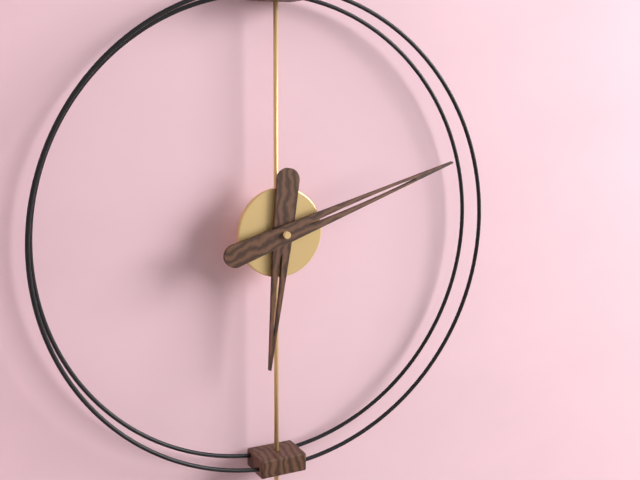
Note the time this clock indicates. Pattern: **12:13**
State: **6:12**
